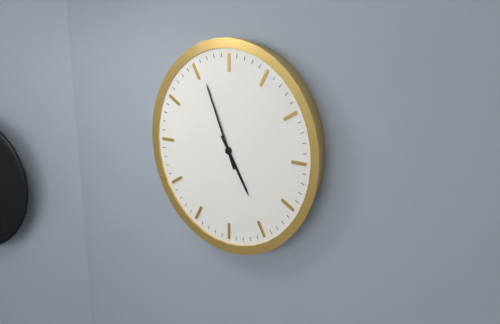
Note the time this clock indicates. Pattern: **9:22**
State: **4:56**
